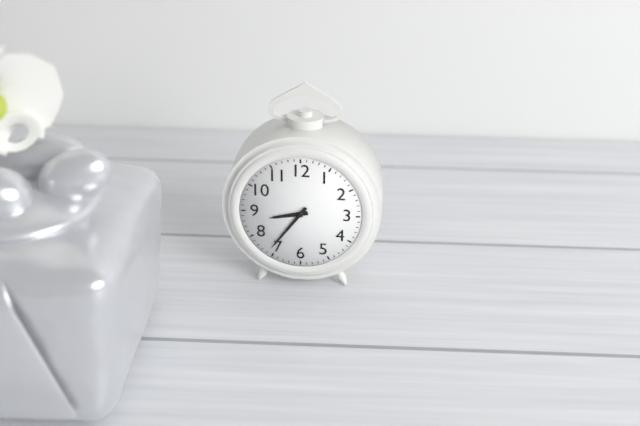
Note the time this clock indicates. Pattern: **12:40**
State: **8:36**
